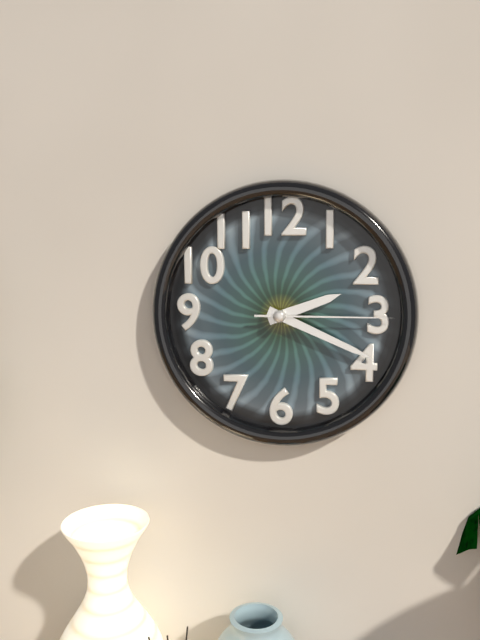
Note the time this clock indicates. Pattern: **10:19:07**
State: **2:19:15**
